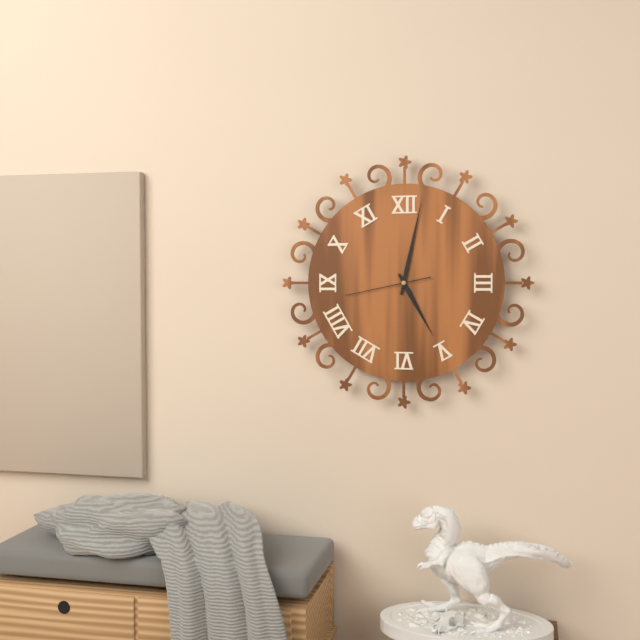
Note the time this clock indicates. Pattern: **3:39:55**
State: **5:02:43**
